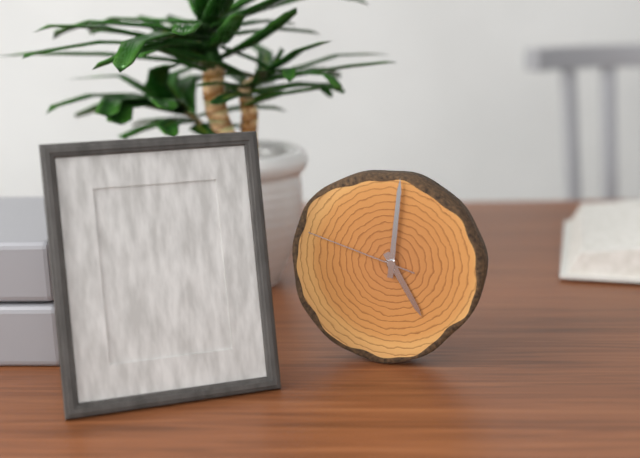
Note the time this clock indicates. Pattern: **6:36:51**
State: **5:01:48**
